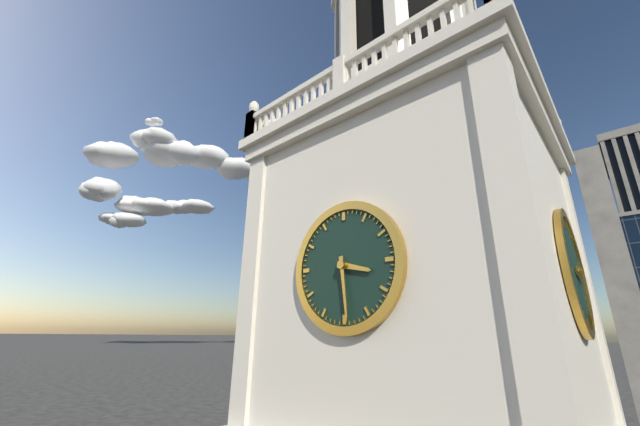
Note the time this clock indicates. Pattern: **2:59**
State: **3:29**
